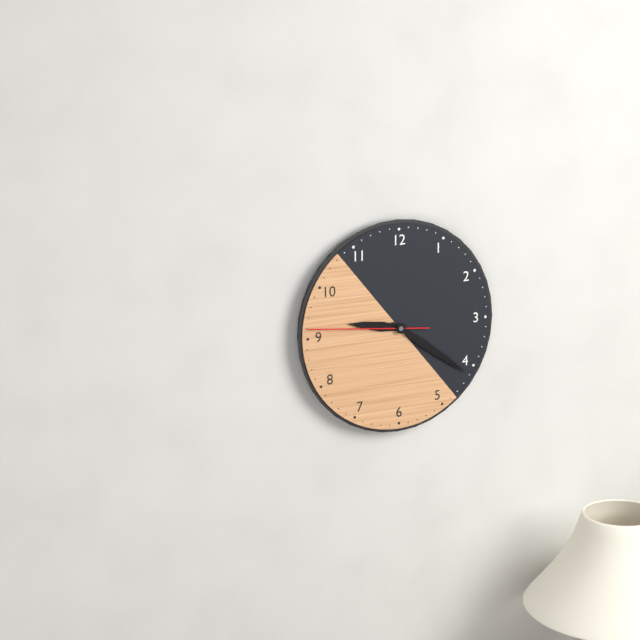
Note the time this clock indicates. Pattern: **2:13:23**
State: **9:21:46**
